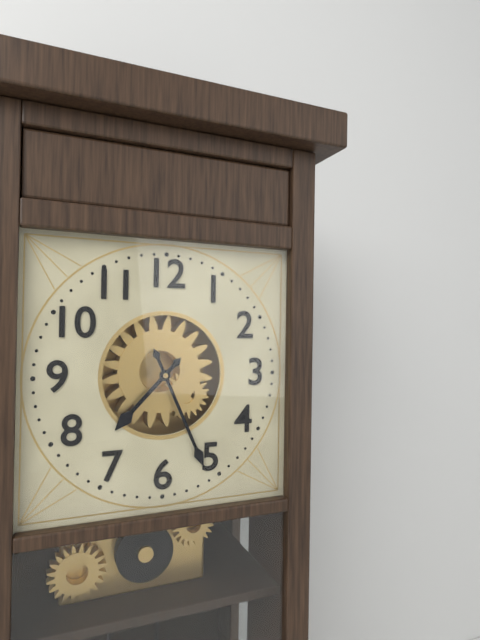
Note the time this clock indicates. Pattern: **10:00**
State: **7:26**
